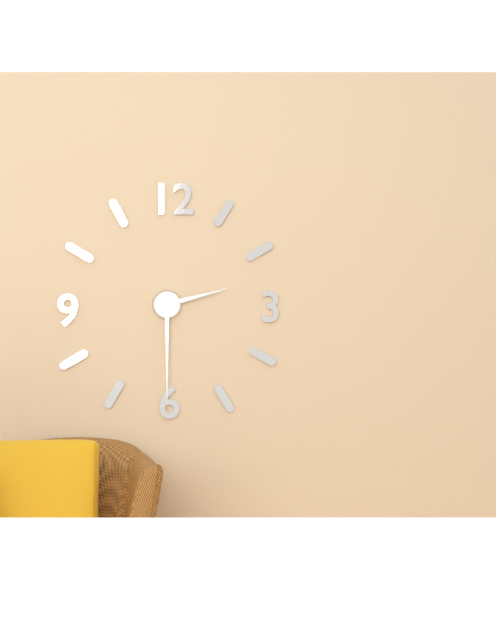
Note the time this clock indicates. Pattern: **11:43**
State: **2:30**
